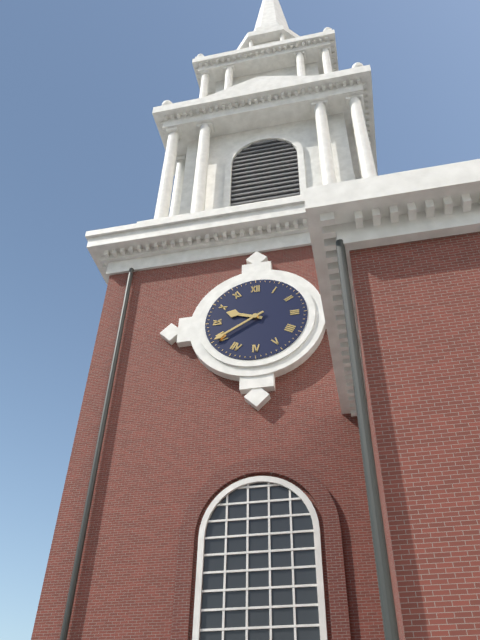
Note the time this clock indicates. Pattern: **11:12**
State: **9:40**
